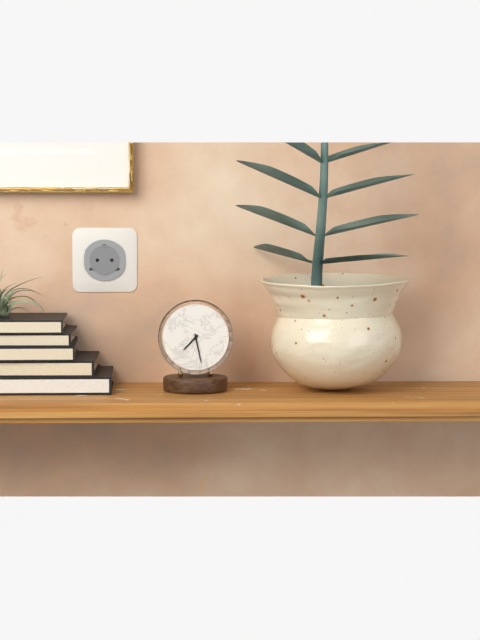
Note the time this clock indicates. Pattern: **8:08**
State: **7:28**
